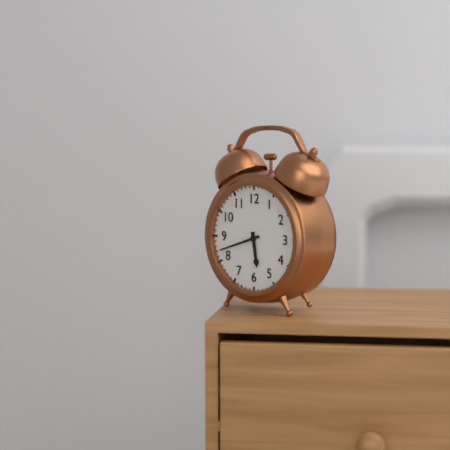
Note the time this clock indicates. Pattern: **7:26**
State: **5:42**
